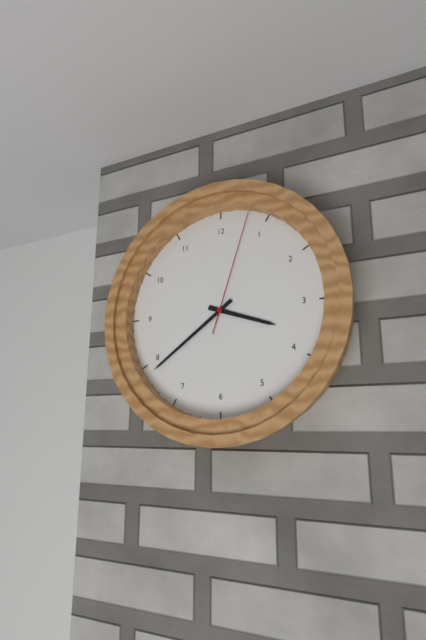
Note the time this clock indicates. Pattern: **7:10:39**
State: **3:39:03**
